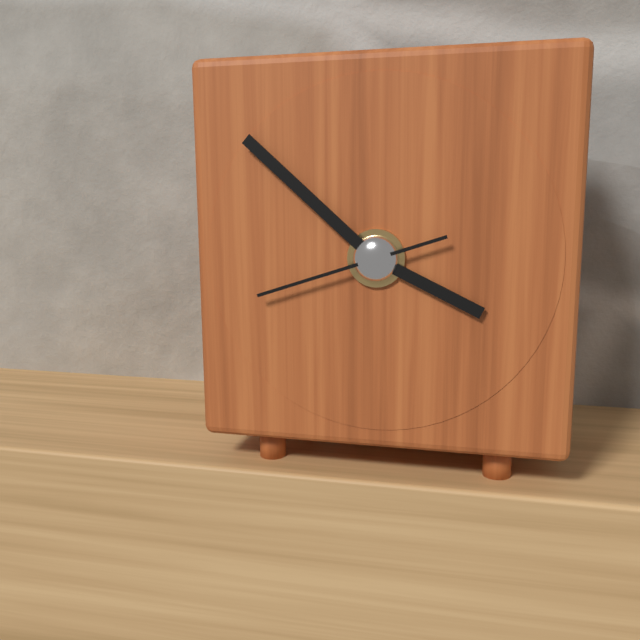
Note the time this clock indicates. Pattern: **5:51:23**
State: **3:52:42**
